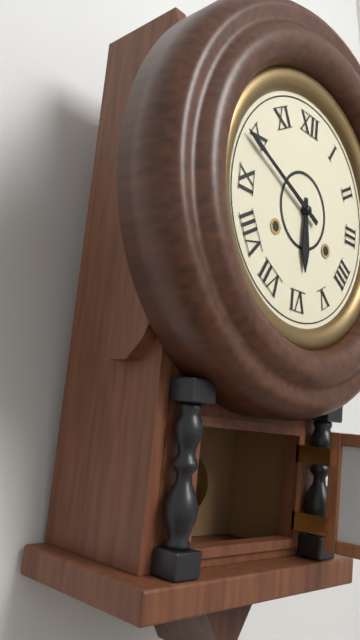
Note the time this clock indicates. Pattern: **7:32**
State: **5:49**
